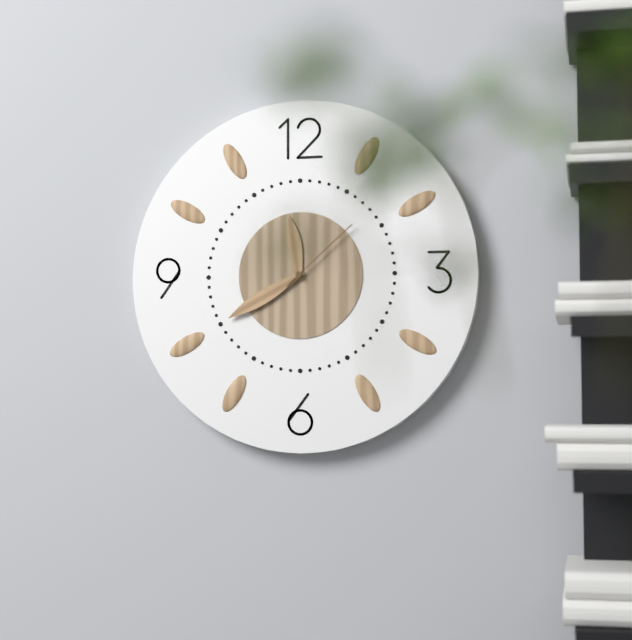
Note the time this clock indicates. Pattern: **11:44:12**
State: **11:40:08**
